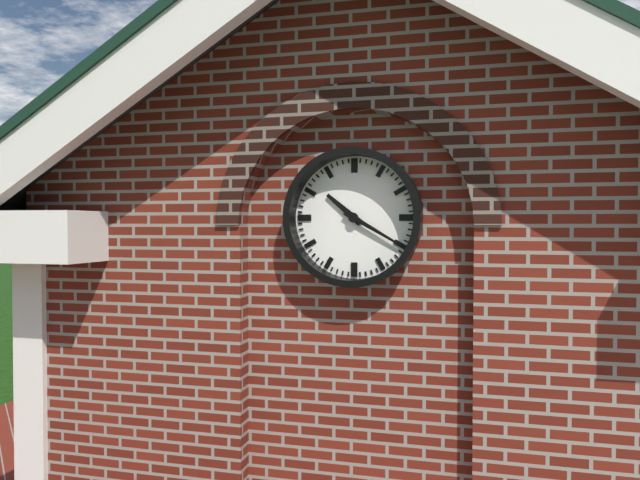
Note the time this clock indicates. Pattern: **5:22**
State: **10:20**
